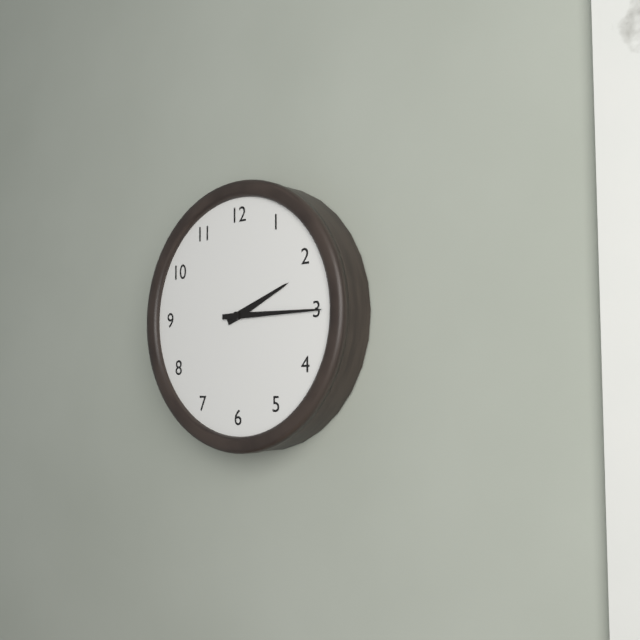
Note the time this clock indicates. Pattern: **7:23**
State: **2:15**
